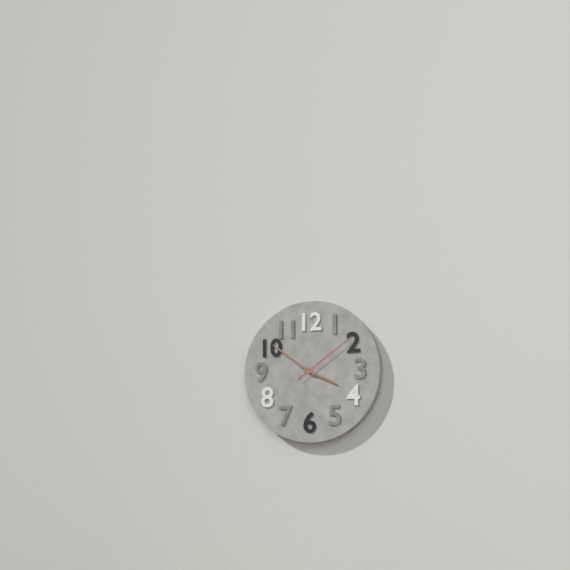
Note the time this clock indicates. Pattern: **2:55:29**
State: **3:51:09**
